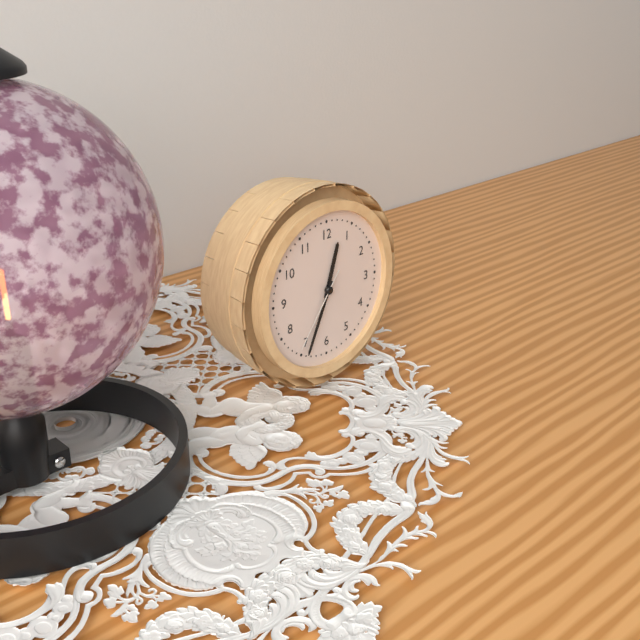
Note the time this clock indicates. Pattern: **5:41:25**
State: **12:34:36**
